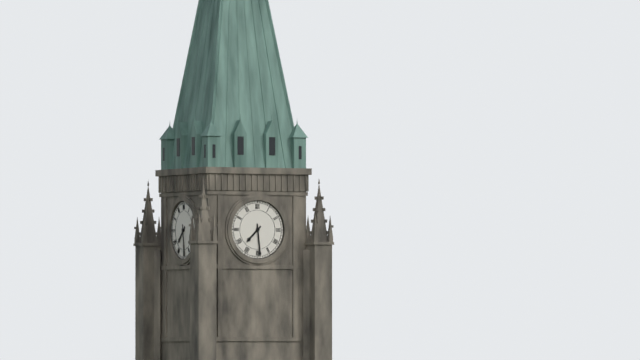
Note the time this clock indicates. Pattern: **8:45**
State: **7:29**
